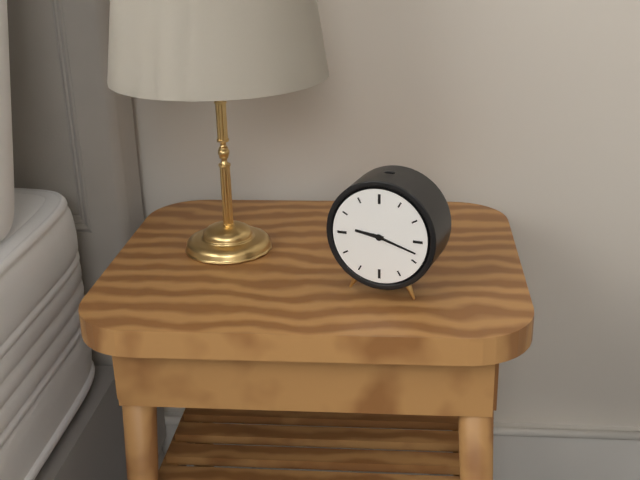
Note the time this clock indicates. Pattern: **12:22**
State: **9:18**
